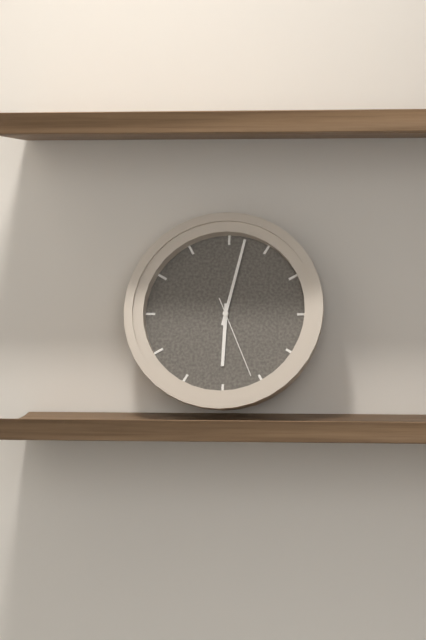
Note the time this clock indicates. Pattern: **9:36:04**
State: **6:02:26**
